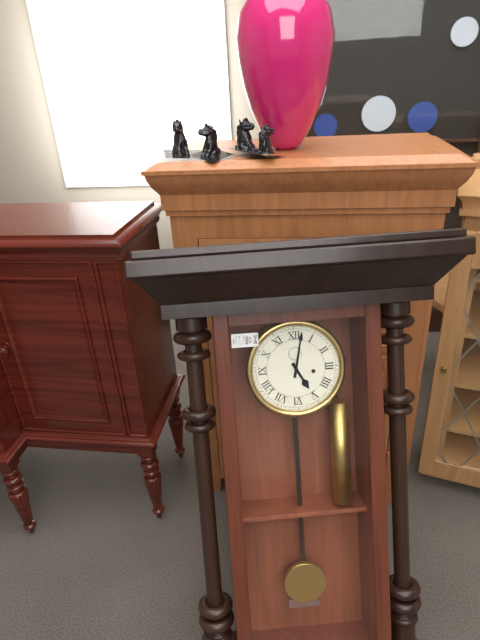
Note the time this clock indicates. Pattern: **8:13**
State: **5:02**
